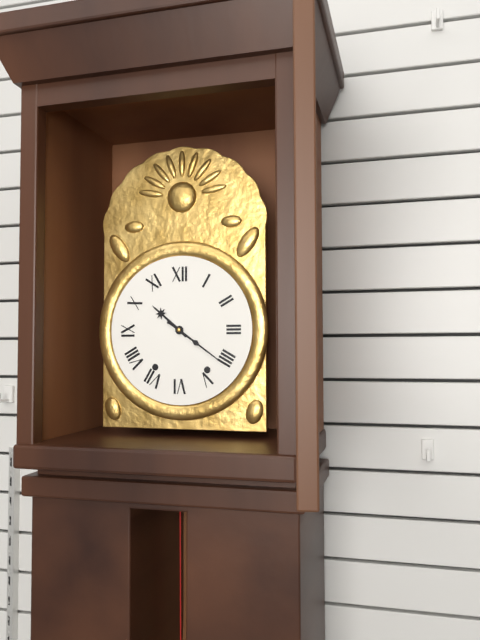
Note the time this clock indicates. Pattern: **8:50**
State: **10:21**
